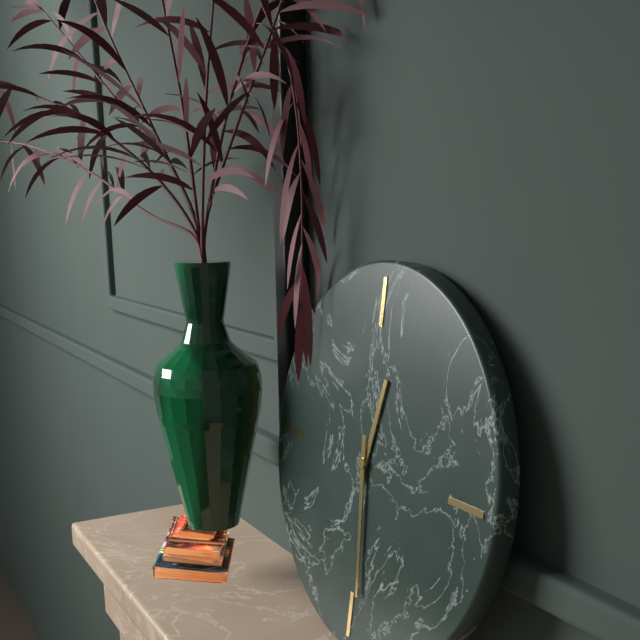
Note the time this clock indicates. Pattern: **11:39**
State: **12:29**
